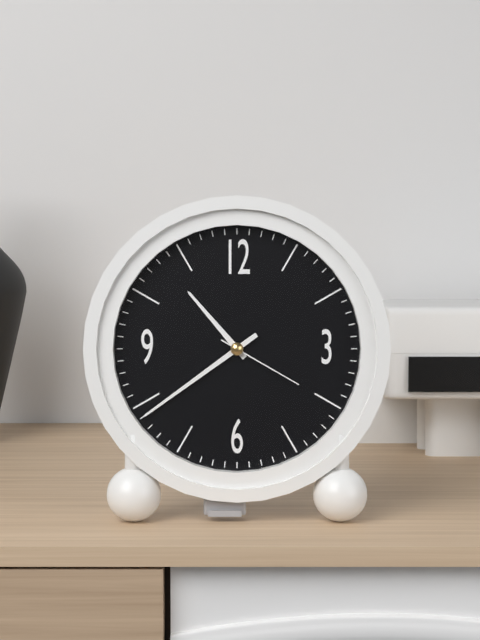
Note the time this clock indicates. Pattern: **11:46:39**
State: **10:39:20**
